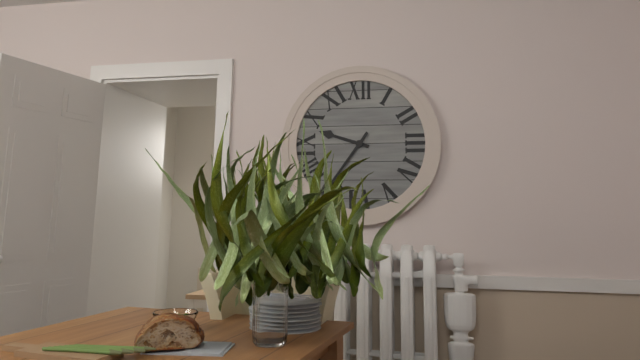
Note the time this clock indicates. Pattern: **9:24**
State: **9:36**
